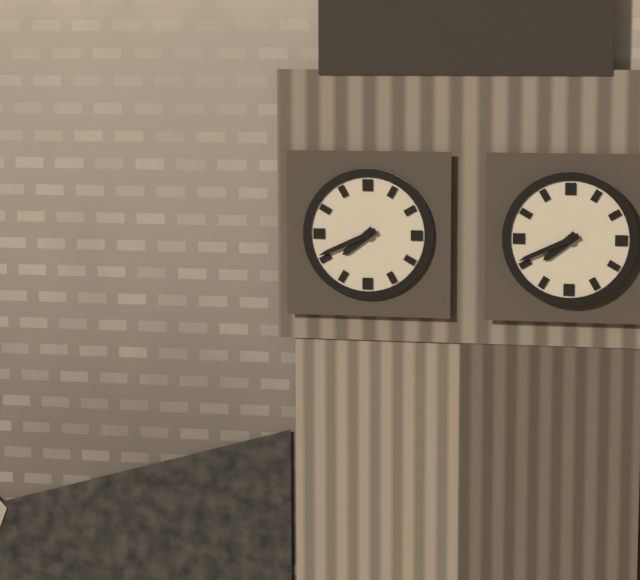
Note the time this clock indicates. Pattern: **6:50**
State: **7:41**
